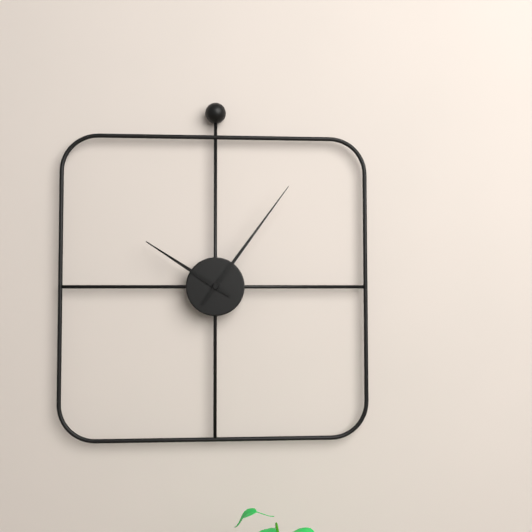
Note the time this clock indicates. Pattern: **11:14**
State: **10:06**
